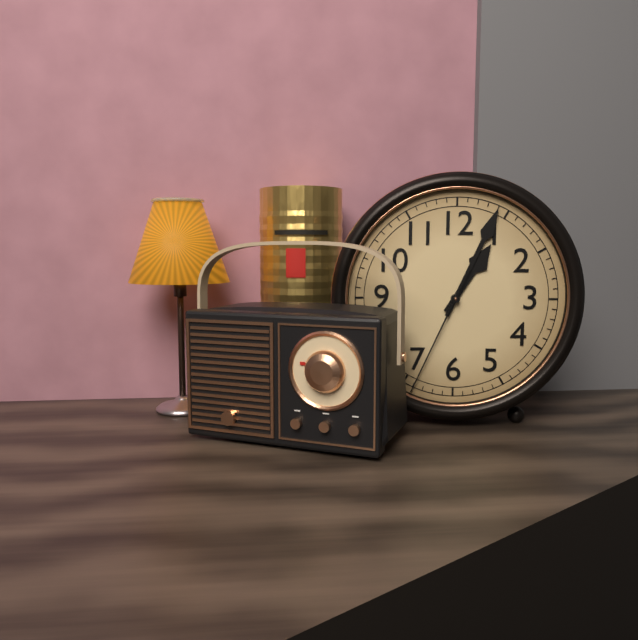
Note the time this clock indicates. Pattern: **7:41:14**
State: **1:04:34**
